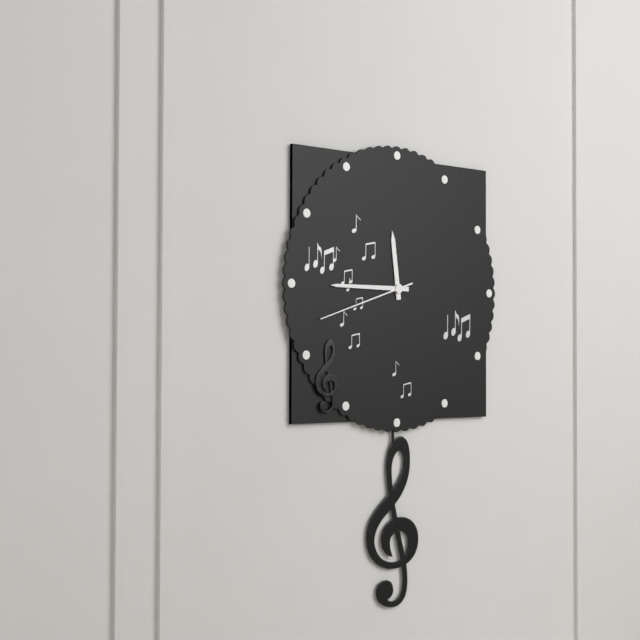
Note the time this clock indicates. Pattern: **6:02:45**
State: **11:45:42**
